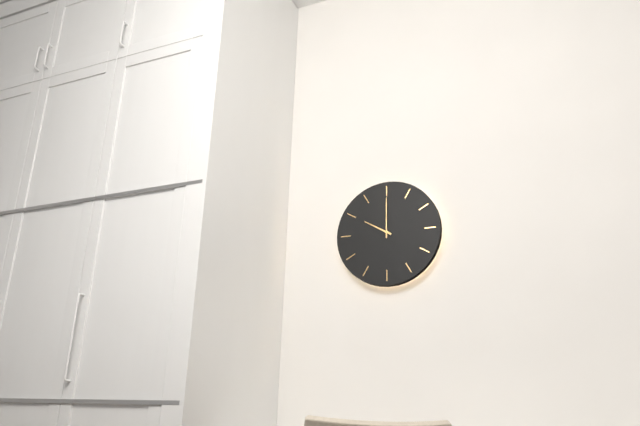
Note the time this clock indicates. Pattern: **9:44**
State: **10:00**
